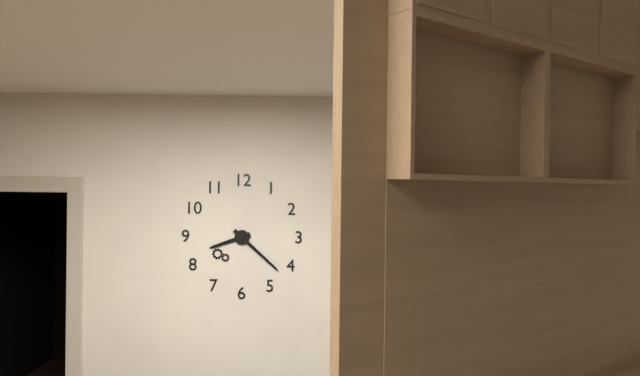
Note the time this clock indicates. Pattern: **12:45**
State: **8:22**
